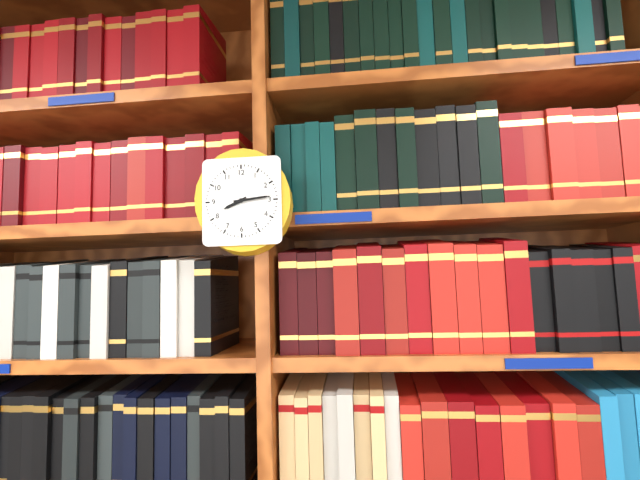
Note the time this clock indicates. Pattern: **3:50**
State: **8:14**
